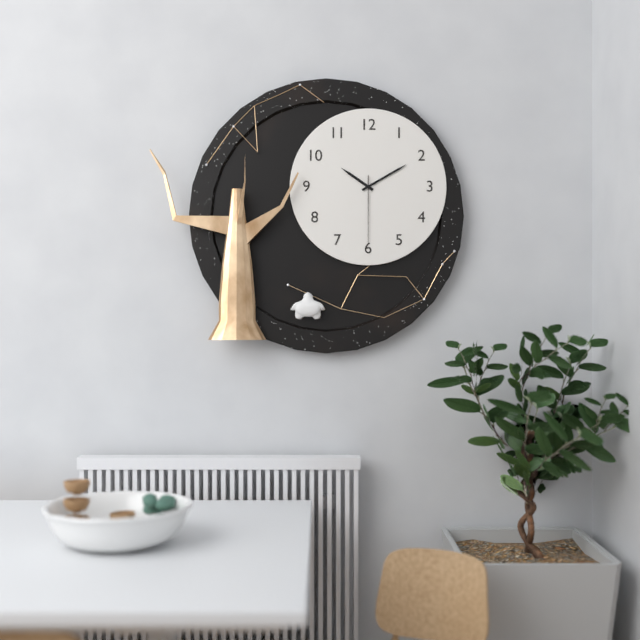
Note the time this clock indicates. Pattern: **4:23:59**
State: **10:10:30**
